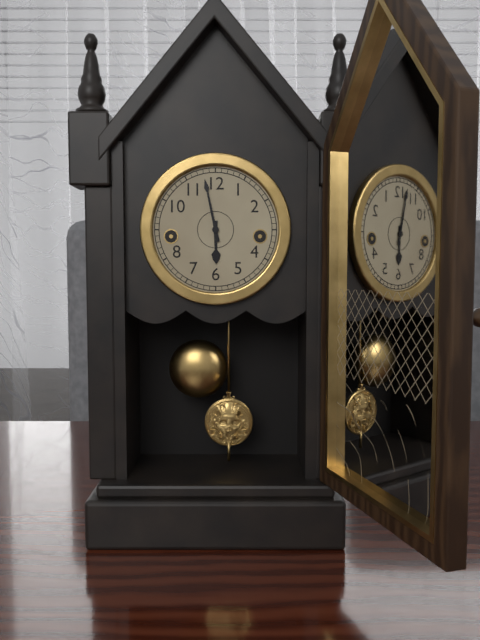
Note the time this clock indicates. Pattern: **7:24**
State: **5:58**
